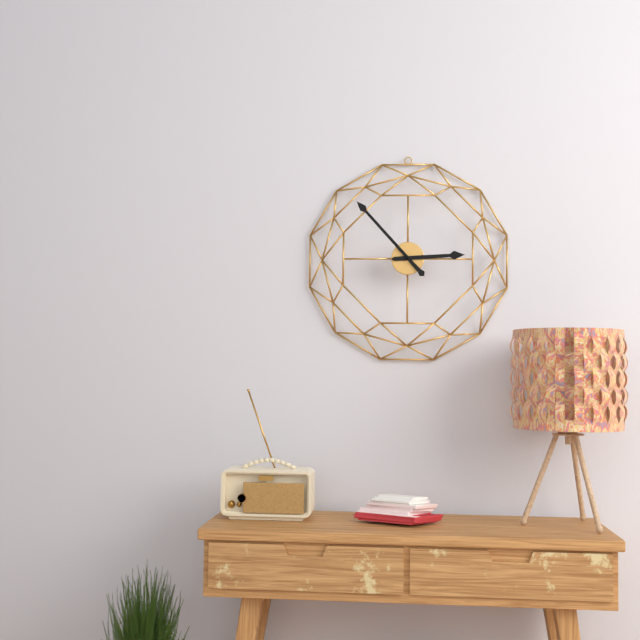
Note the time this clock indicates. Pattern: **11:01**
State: **2:53**
